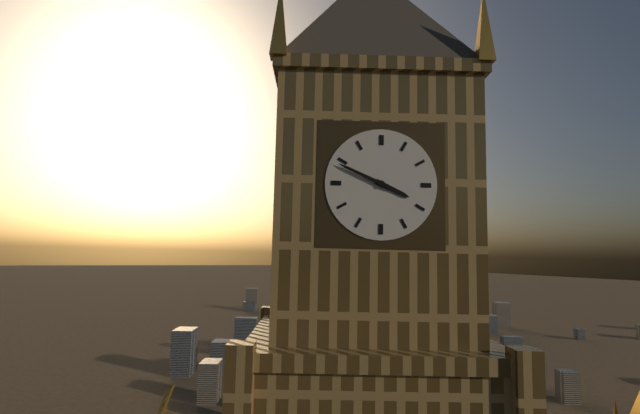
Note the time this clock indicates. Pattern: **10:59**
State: **3:49**
